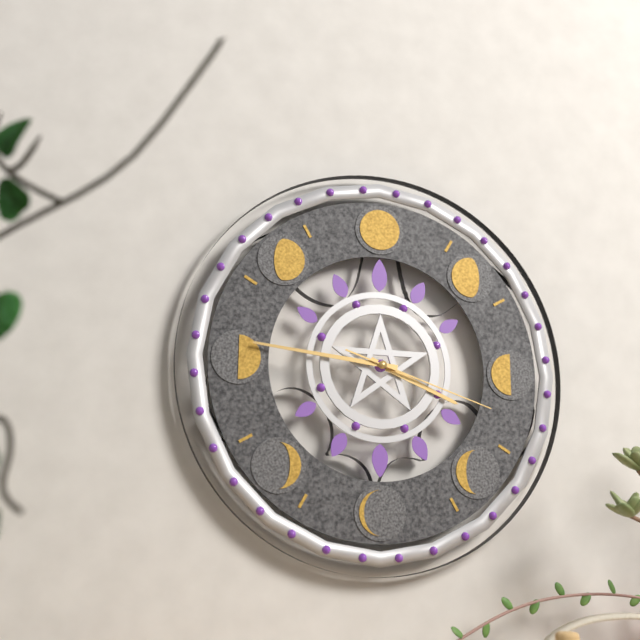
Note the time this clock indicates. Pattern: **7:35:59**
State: **3:46:18**
